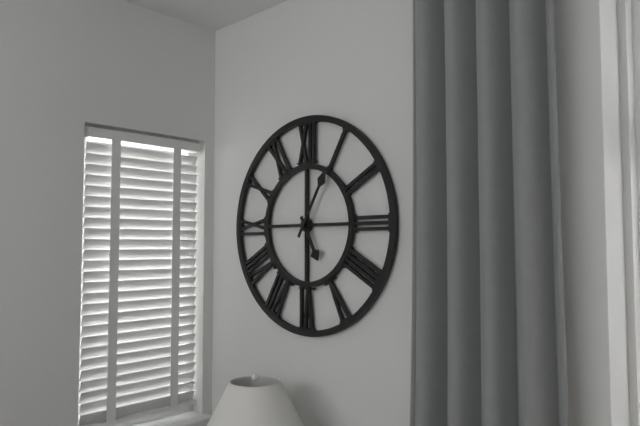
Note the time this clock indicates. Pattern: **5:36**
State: **5:05**
